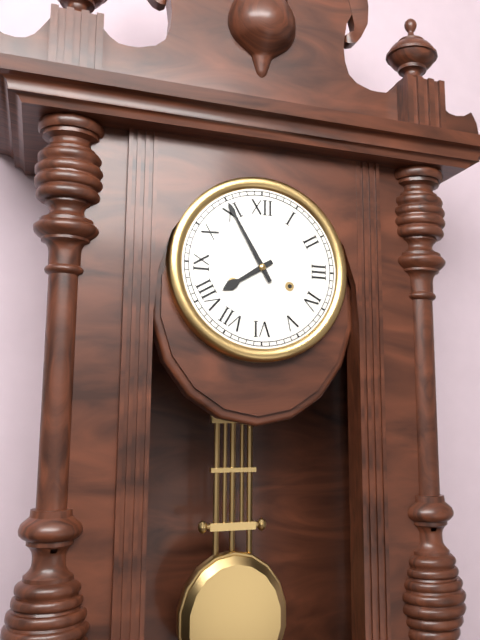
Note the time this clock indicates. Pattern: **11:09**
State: **7:55**
